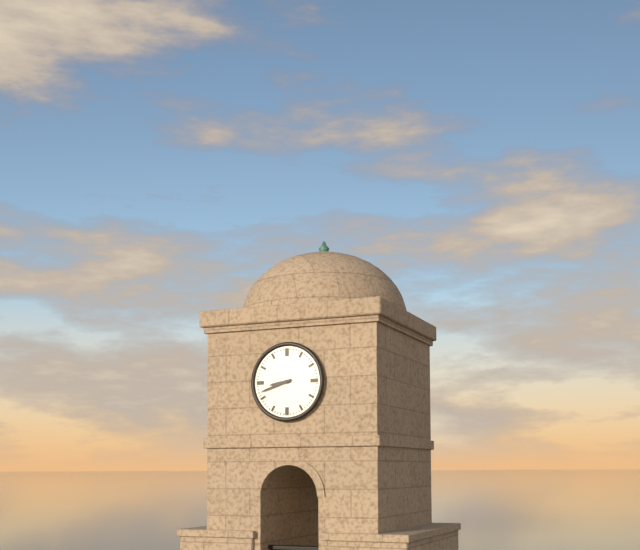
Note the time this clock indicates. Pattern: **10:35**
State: **8:42**
